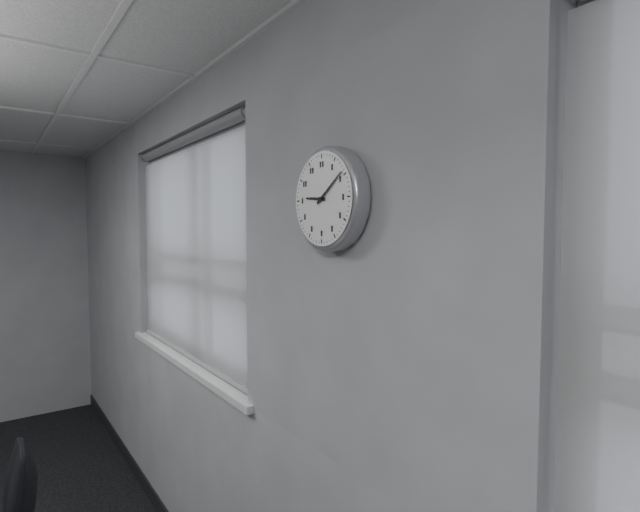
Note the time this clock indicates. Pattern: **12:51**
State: **9:09**
